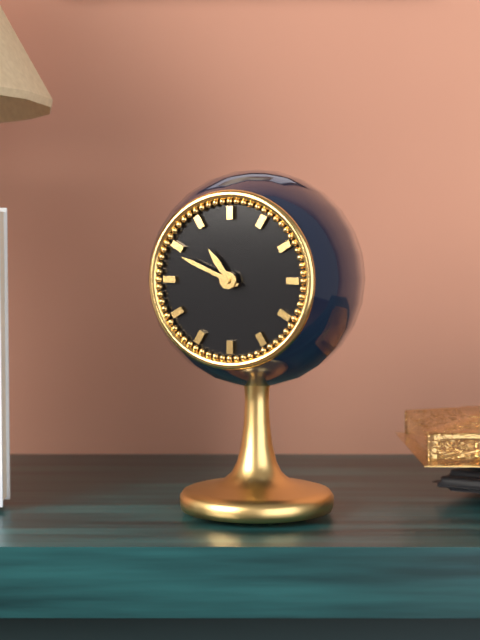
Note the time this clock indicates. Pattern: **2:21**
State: **10:49**
